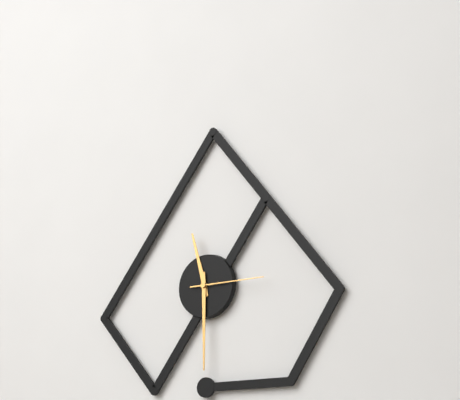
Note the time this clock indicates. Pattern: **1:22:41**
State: **11:30:15**
